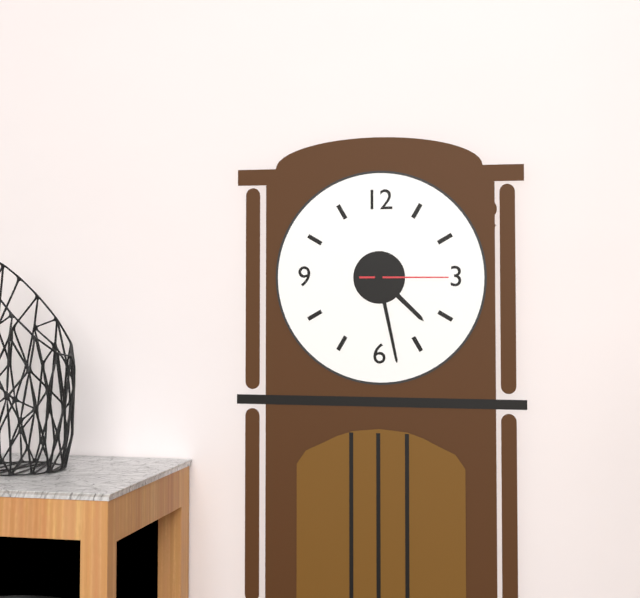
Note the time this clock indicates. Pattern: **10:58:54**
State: **4:28:15**
